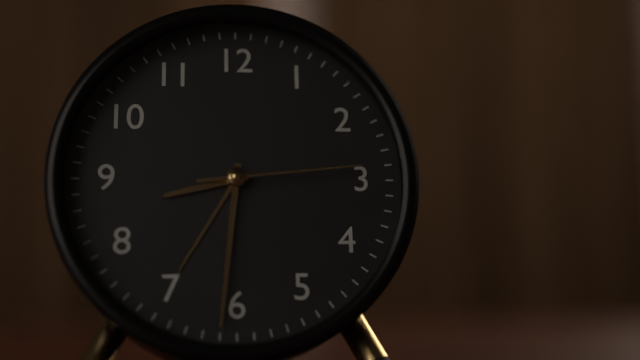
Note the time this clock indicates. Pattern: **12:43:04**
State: **8:31:14**
